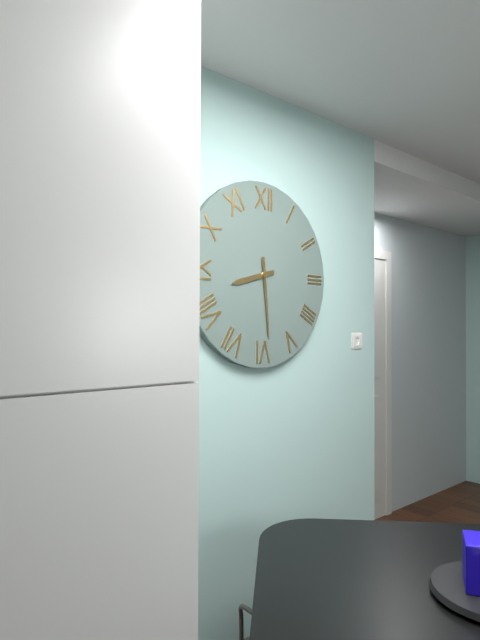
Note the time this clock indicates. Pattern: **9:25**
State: **8:29**
